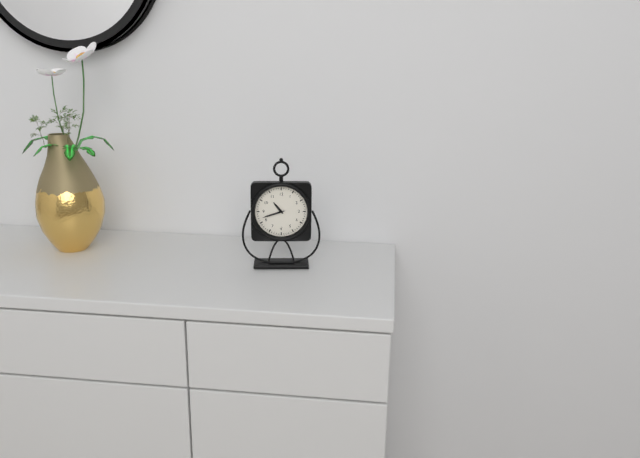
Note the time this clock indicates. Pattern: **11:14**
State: **10:42**
